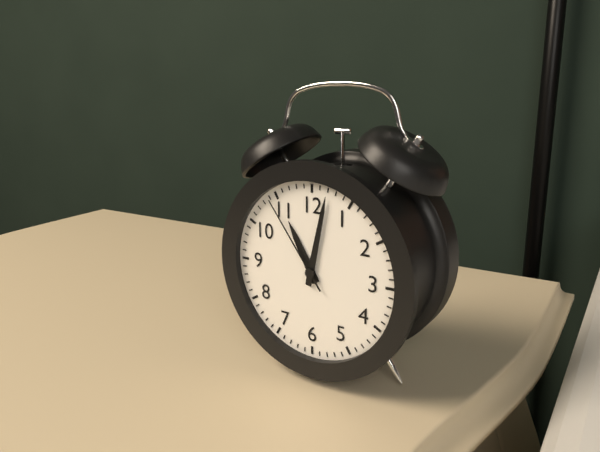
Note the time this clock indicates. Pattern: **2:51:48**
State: **11:02:54**
